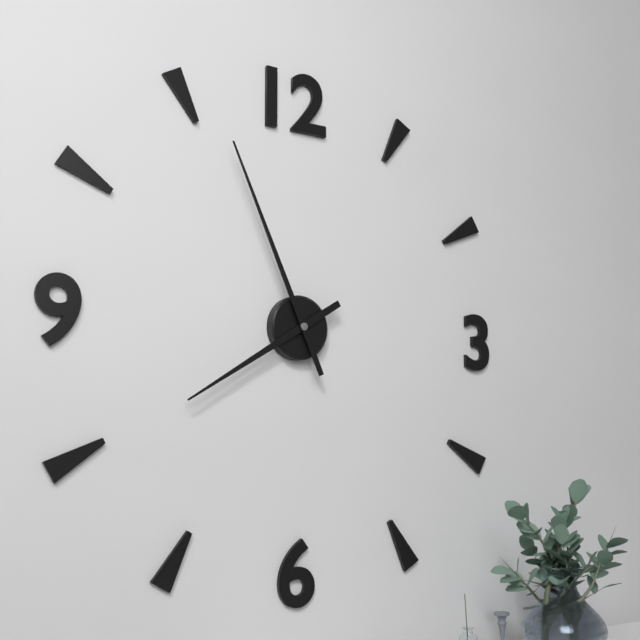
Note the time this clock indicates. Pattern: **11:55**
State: **7:56**
